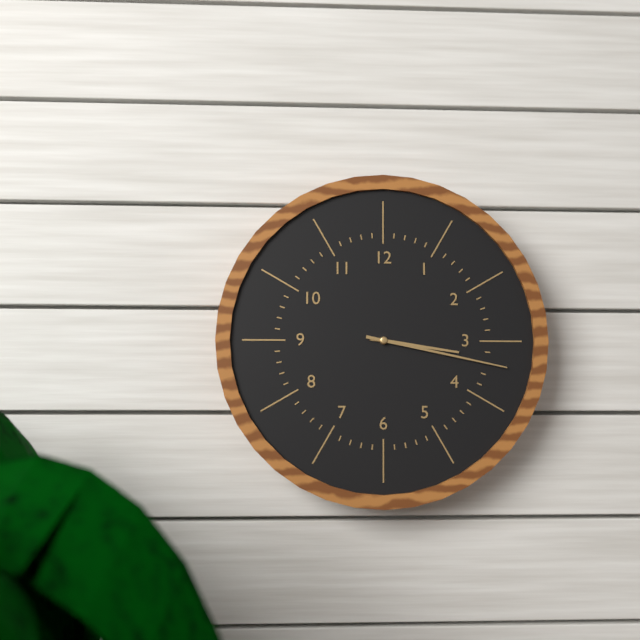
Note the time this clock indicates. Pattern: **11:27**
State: **3:17**
